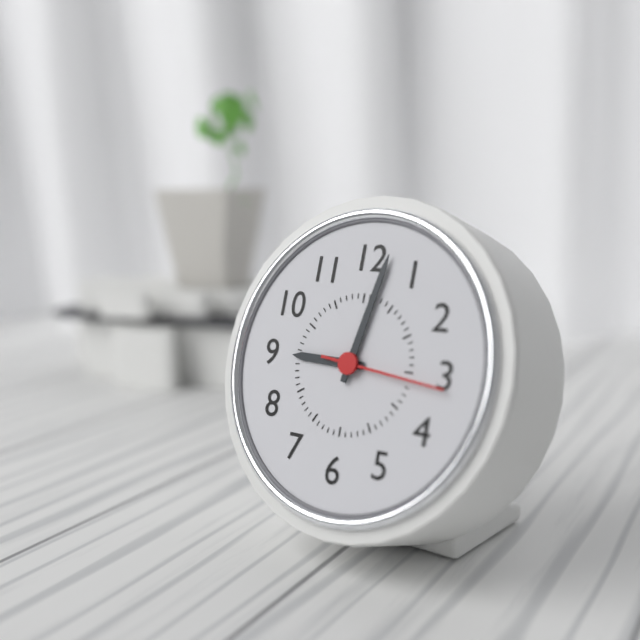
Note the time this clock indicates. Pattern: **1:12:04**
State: **9:02:16**
